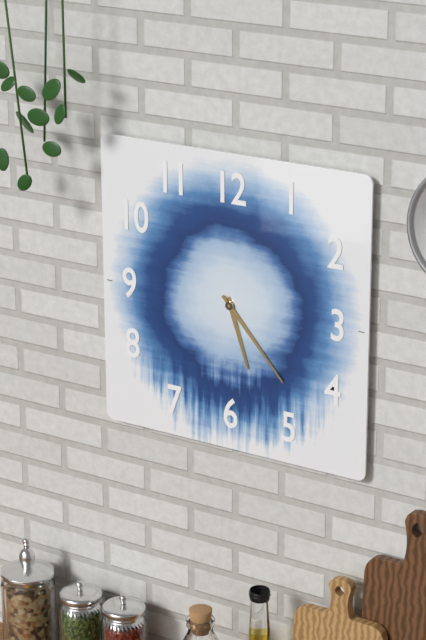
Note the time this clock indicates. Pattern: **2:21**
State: **5:23**
